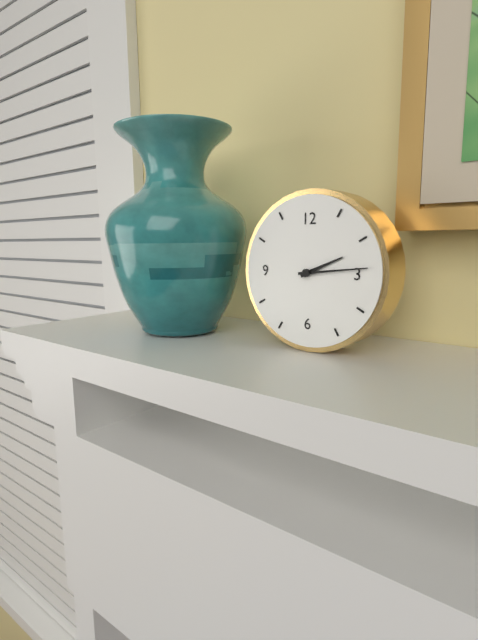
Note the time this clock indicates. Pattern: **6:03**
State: **2:14**
